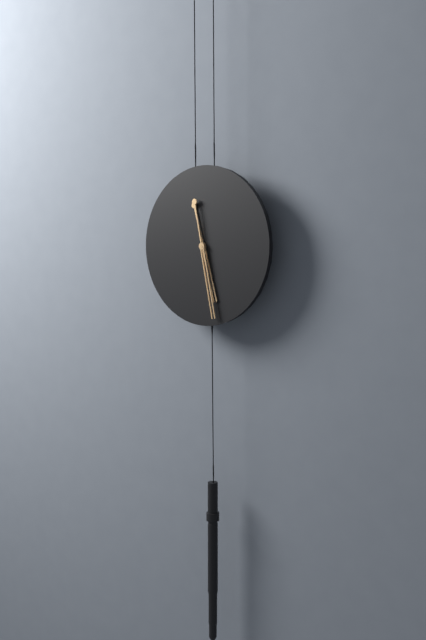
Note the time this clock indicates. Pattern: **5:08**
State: **5:28**
